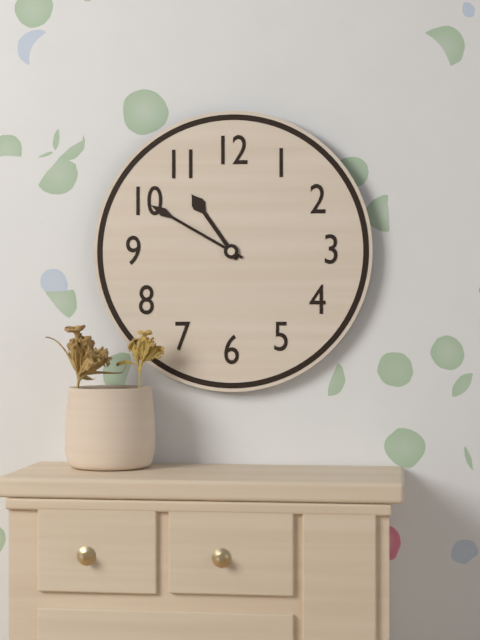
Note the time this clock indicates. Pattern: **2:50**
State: **10:50**
